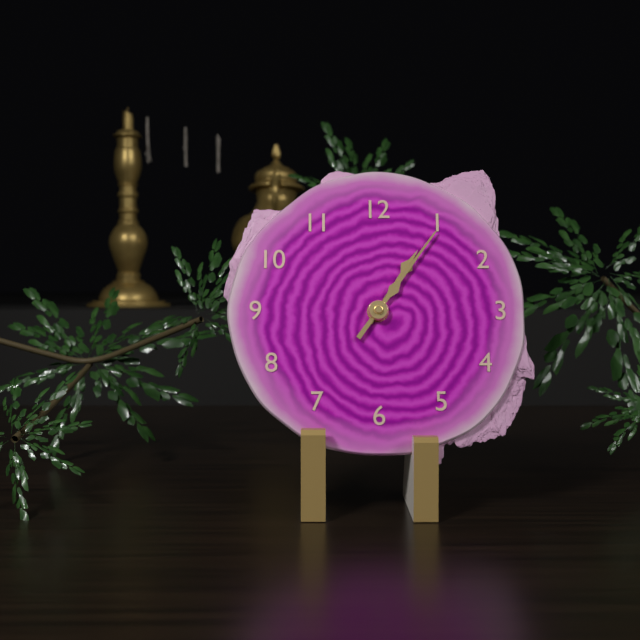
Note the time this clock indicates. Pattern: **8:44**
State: **1:06**
